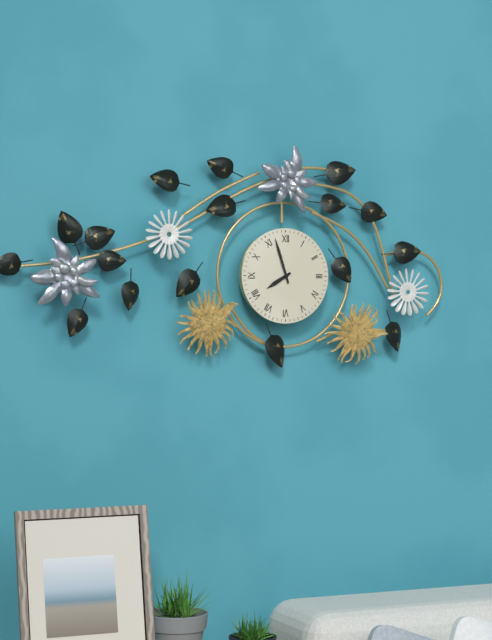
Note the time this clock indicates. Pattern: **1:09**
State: **7:57**
